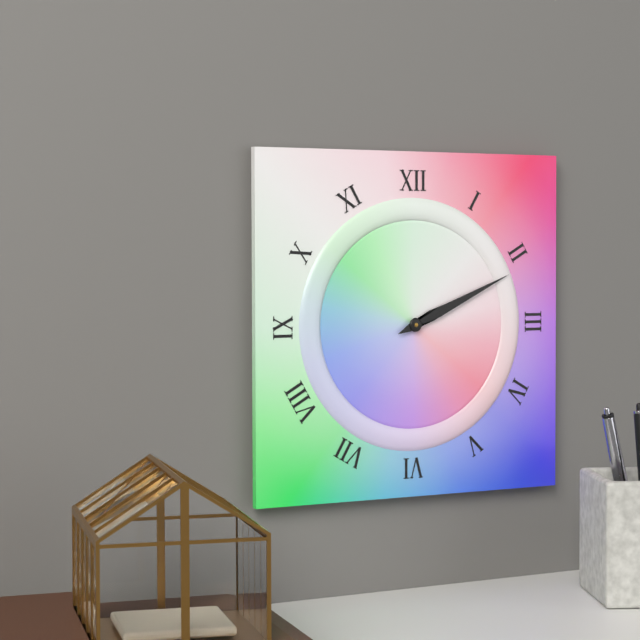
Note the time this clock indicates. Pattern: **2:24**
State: **2:11**
